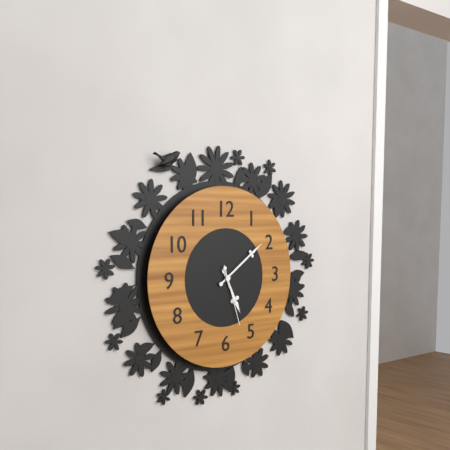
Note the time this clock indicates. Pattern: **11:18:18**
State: **5:09:27**
